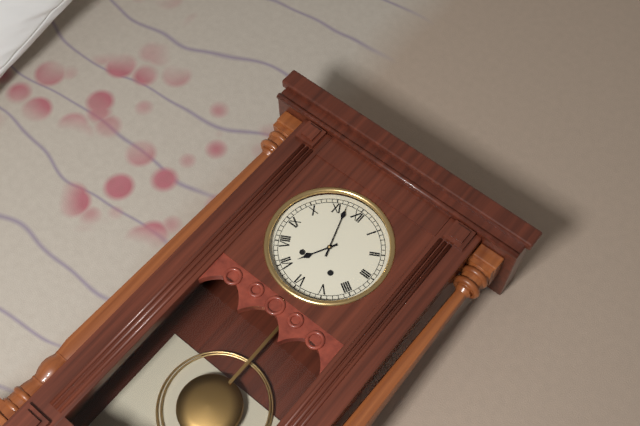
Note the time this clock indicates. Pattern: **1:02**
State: **6:57**
